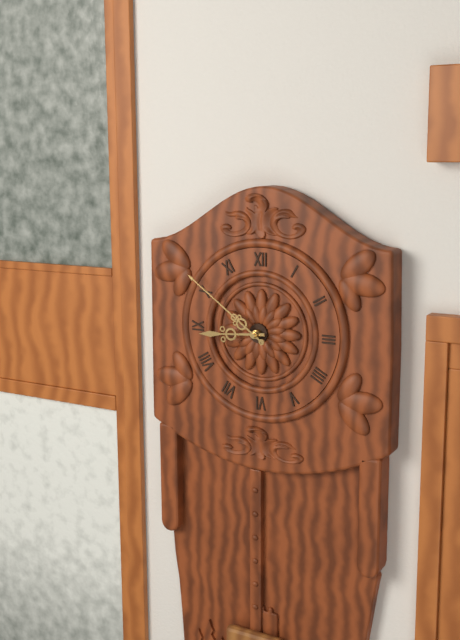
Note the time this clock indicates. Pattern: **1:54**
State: **8:51**
